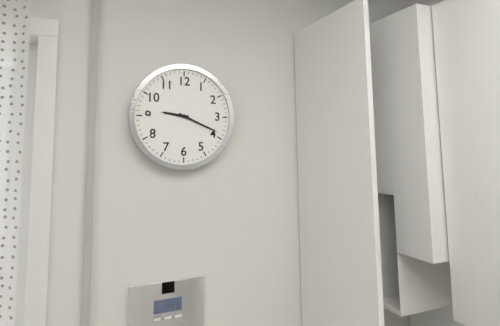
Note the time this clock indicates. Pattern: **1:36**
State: **9:19**
